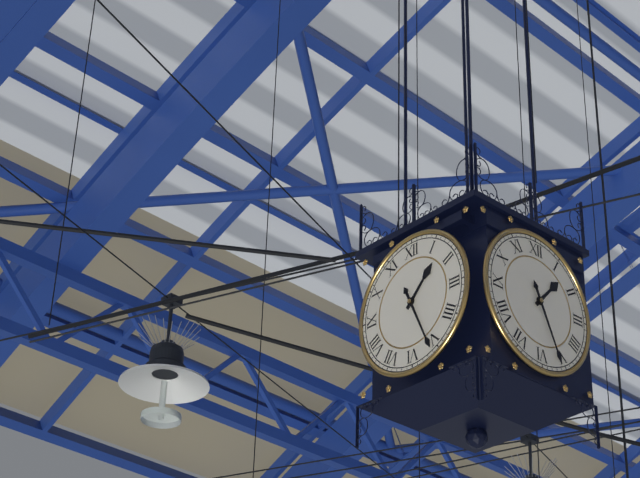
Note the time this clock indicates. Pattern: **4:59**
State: **1:26**
